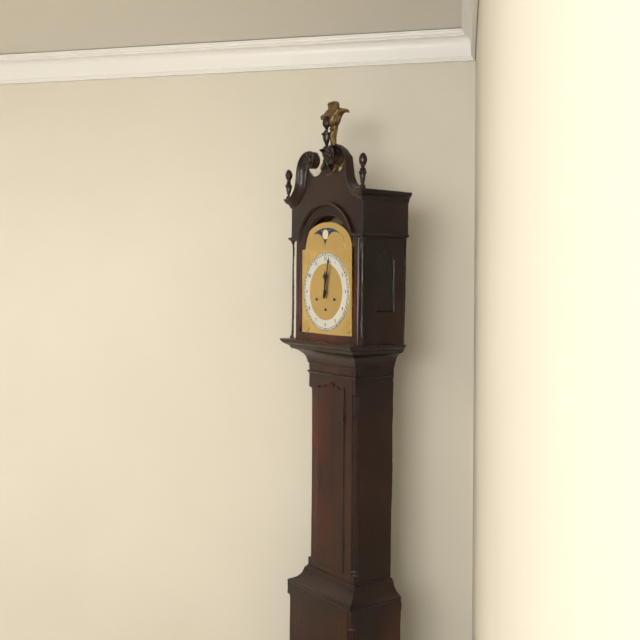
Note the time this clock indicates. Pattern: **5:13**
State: **12:02**
